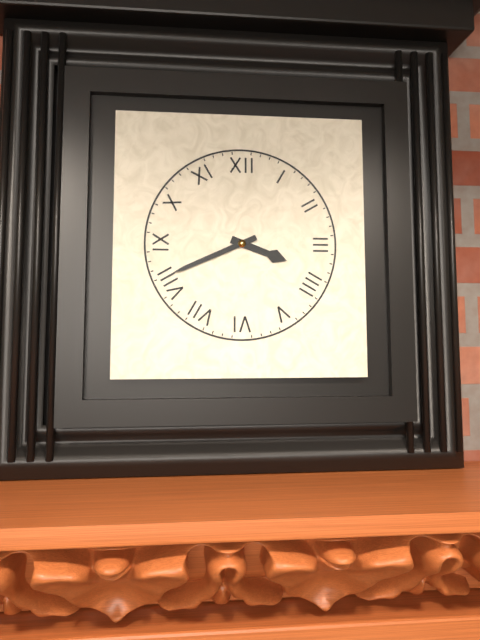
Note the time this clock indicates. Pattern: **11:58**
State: **3:41**
